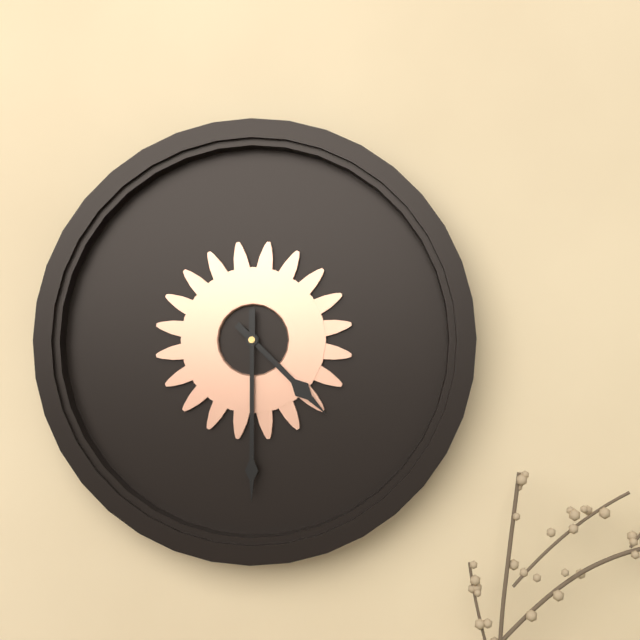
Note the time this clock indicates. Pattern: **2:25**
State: **4:30**
